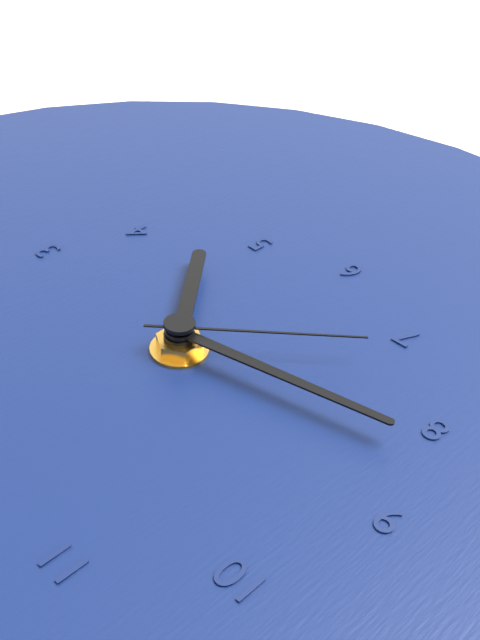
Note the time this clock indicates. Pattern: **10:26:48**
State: **4:43:38**
